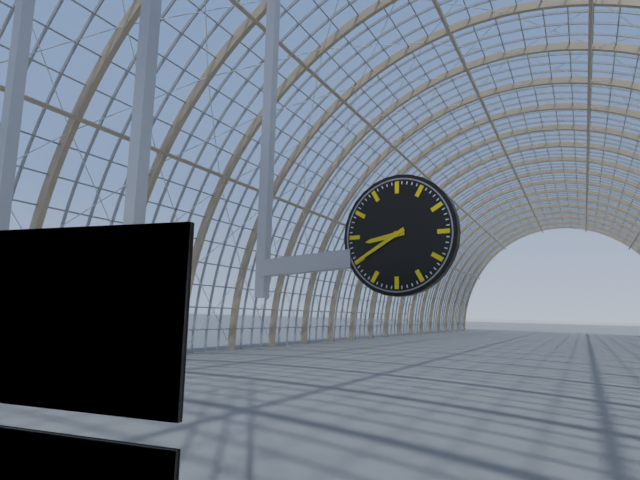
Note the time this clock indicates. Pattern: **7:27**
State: **8:40**
